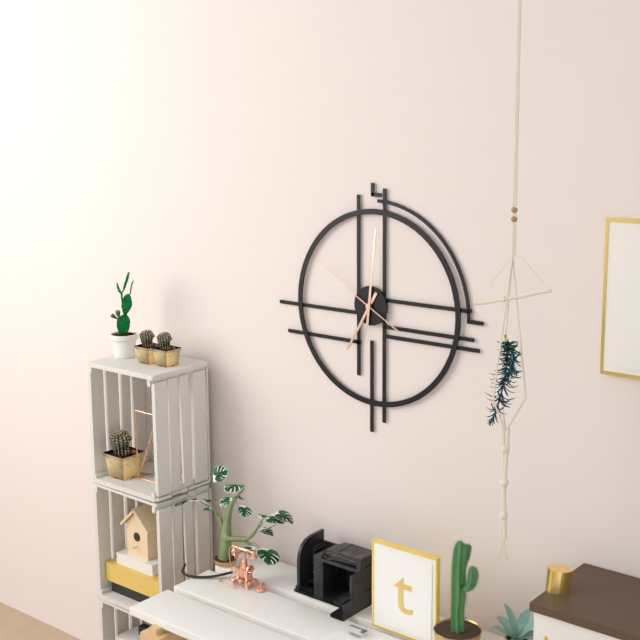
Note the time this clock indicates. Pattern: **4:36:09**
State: **7:01:50**
